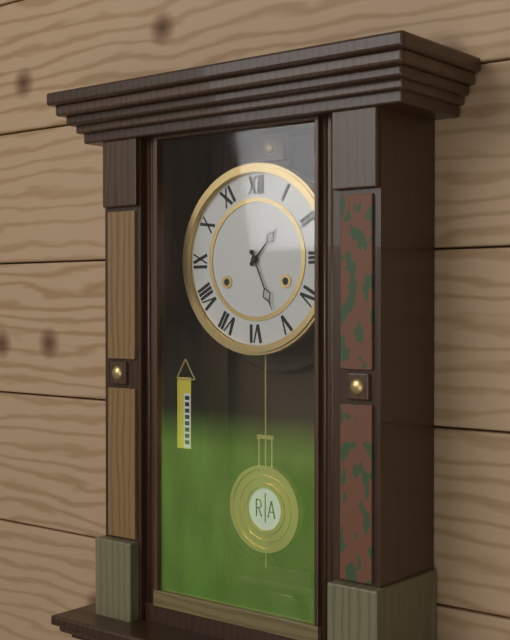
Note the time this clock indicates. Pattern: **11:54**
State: **1:26**
